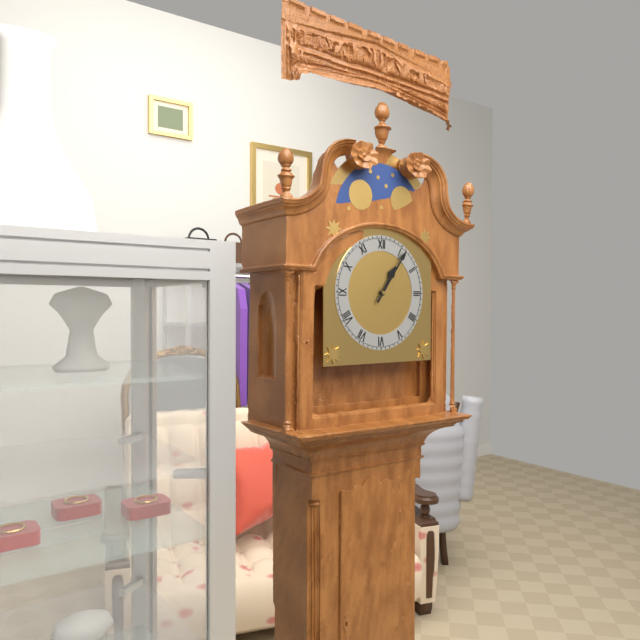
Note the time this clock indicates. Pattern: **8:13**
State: **1:06**
